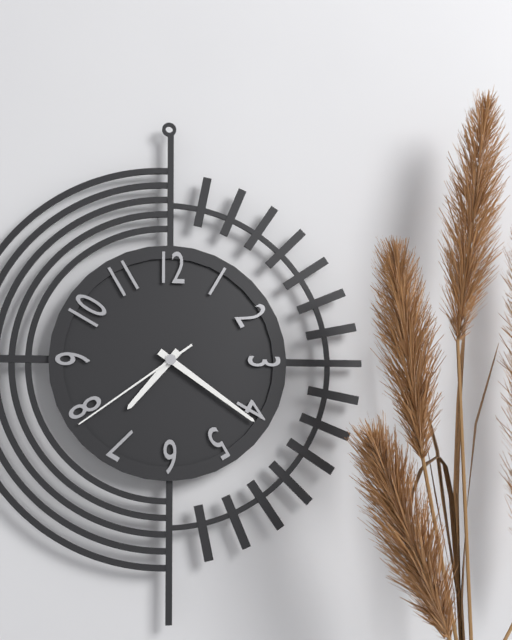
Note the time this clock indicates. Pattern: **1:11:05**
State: **7:21:39**
